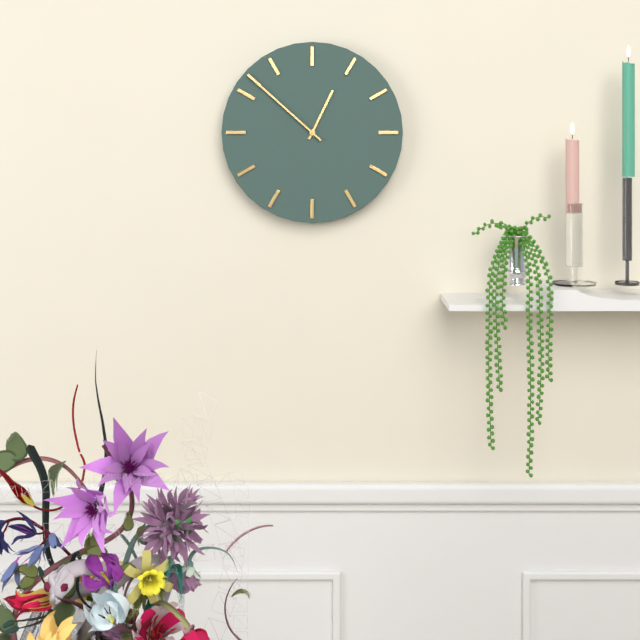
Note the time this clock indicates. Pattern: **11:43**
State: **12:52**
